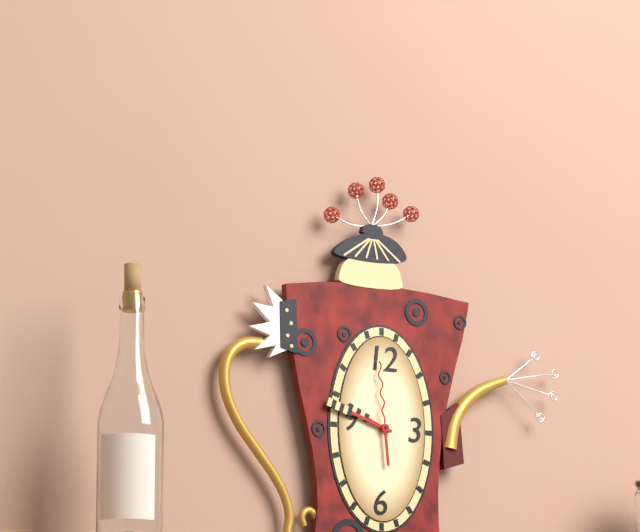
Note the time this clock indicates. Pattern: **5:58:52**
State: **9:48:59**
